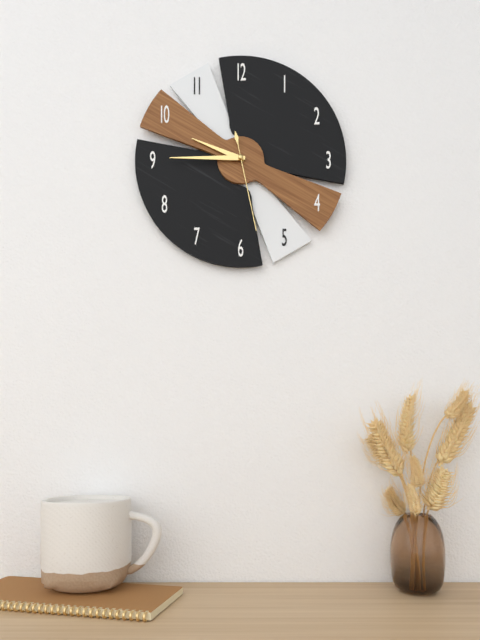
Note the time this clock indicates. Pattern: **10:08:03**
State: **9:45:28**
